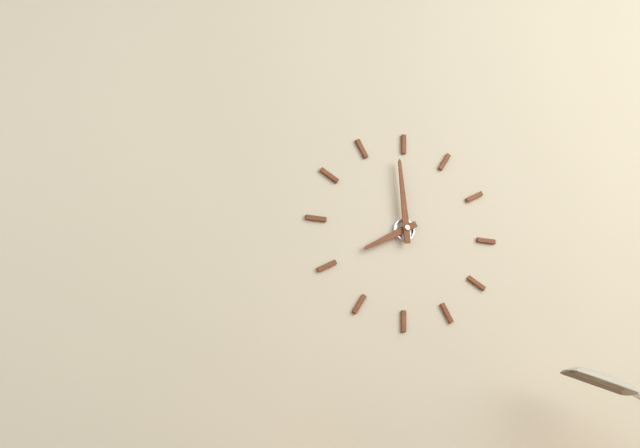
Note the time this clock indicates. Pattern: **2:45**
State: **7:59**
